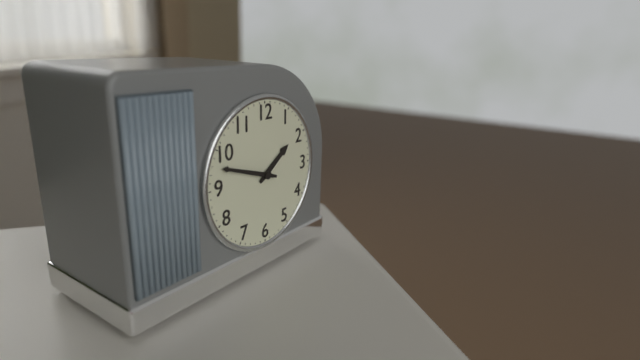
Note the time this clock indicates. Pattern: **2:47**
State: **1:48**
